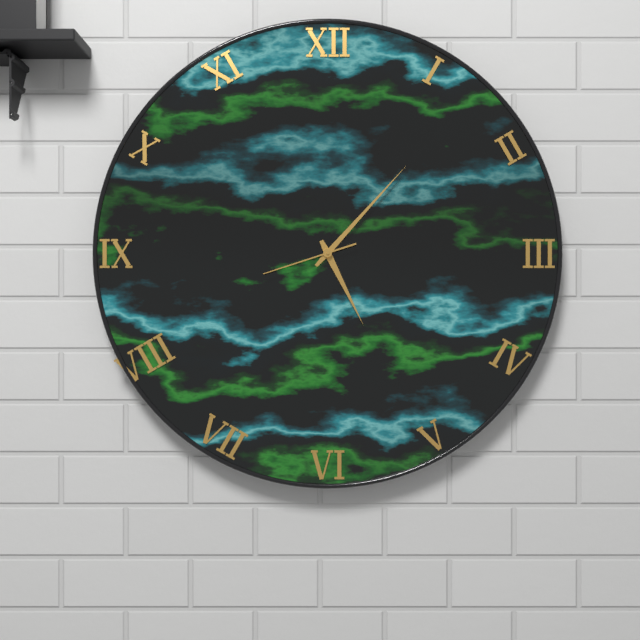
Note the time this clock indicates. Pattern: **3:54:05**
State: **5:07:42**
